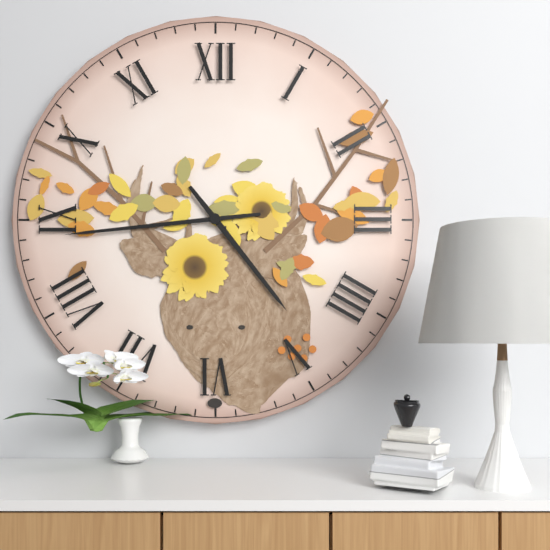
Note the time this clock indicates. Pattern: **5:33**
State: **4:44**
